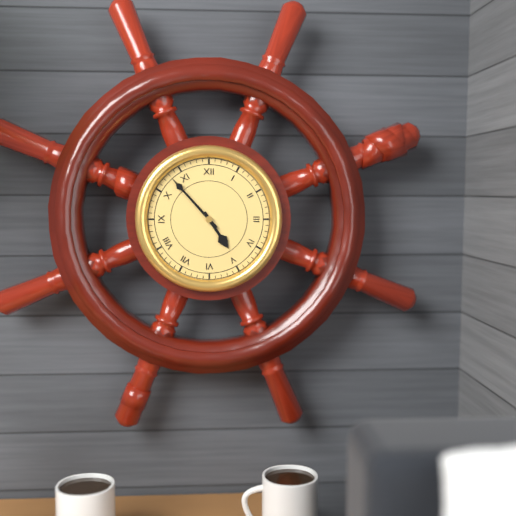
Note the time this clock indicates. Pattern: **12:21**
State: **4:53**
